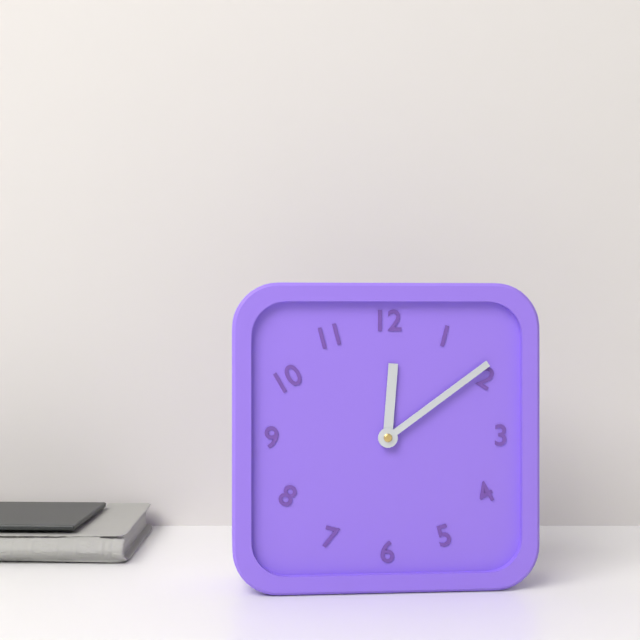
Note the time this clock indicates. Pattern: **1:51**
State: **12:09**
